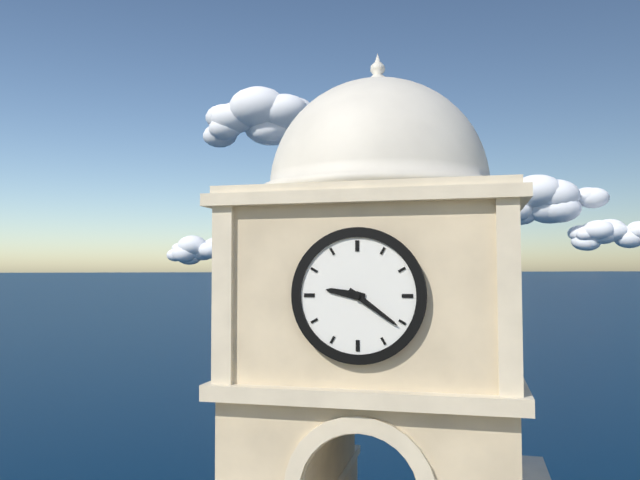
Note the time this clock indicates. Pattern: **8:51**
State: **9:21**
